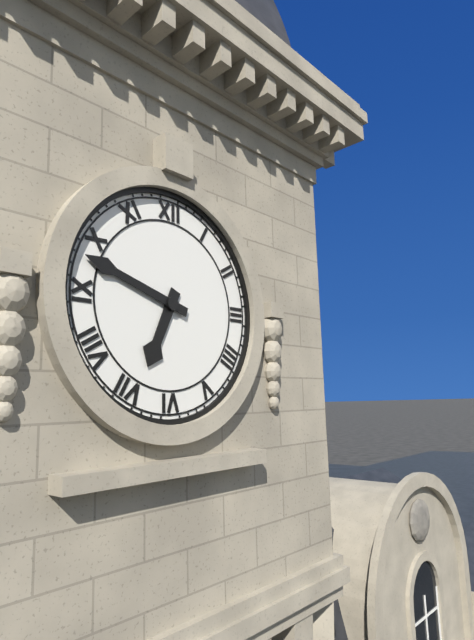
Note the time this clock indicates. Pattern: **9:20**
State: **6:48**
